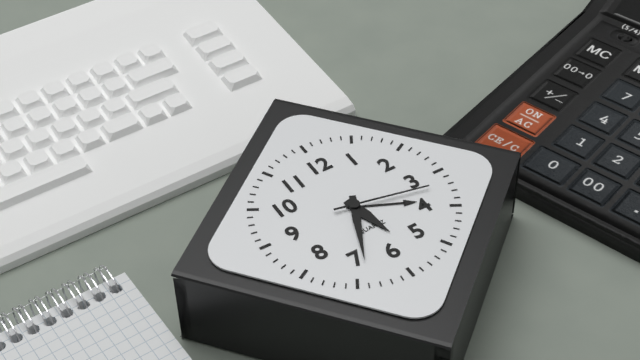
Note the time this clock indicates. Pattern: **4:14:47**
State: **5:34:17**
